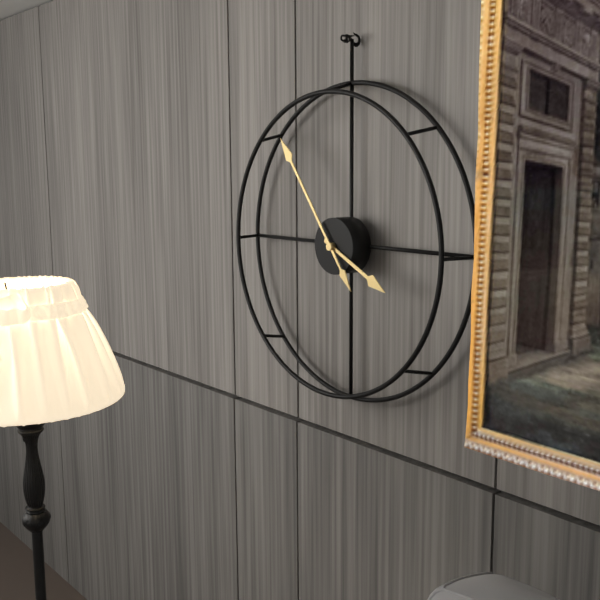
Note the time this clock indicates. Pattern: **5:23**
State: **3:54**
